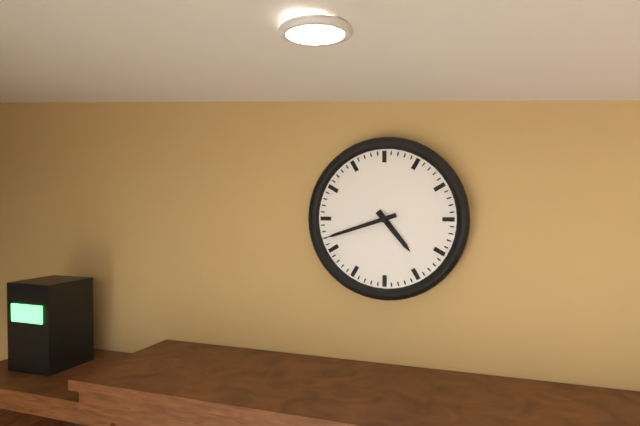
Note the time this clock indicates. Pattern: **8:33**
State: **4:42**
